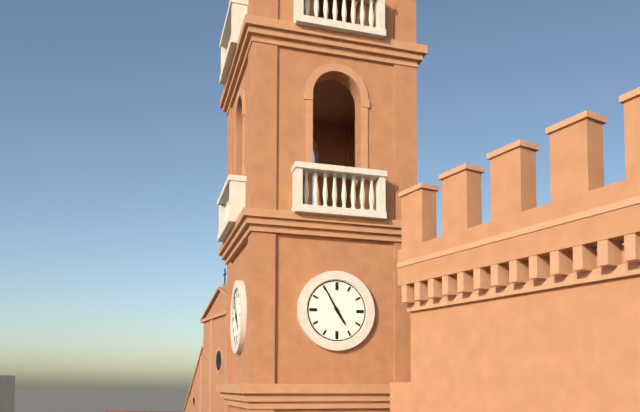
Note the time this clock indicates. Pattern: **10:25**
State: **4:55**
